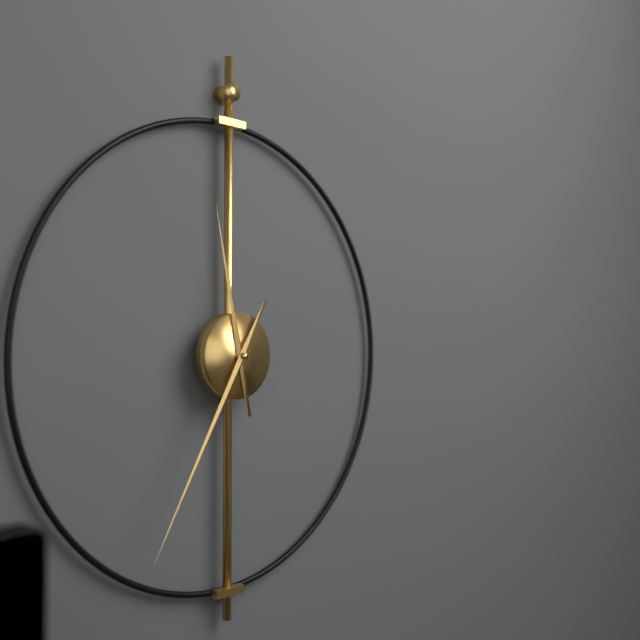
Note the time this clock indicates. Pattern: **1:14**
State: **11:35**
